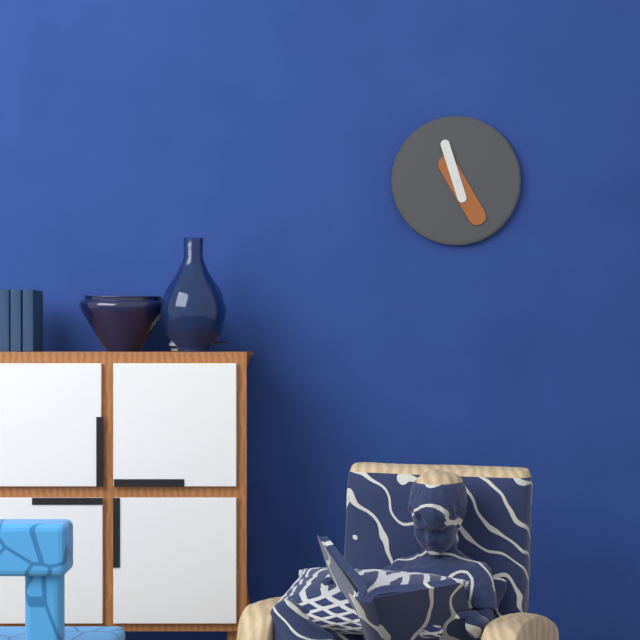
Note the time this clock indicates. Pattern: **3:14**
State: **11:25**
